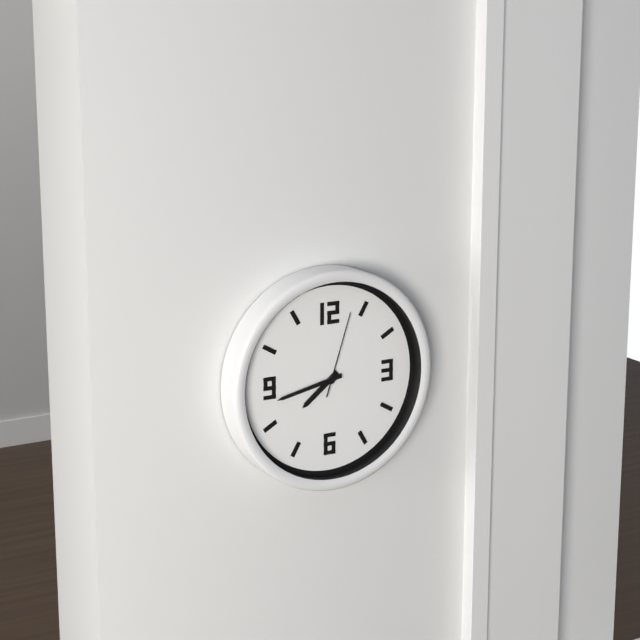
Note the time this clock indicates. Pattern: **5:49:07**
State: **7:43:03**
